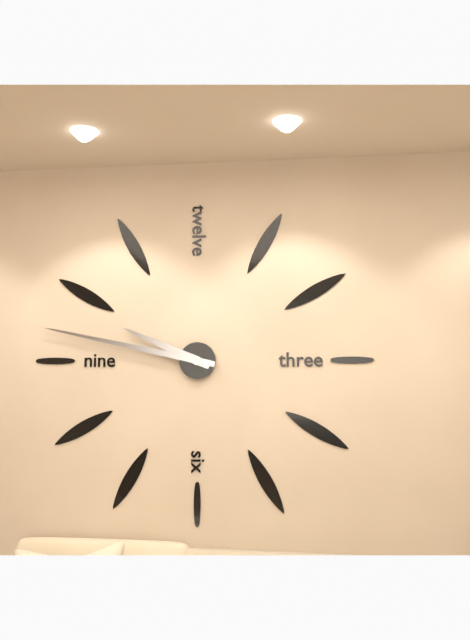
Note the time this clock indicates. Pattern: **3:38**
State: **9:47**
